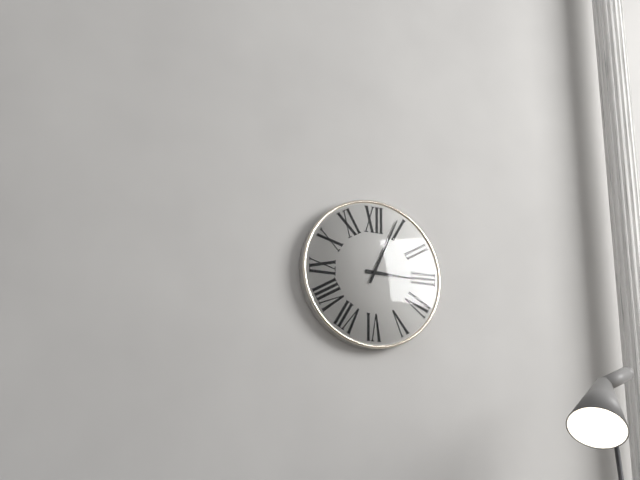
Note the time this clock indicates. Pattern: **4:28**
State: **3:04**
